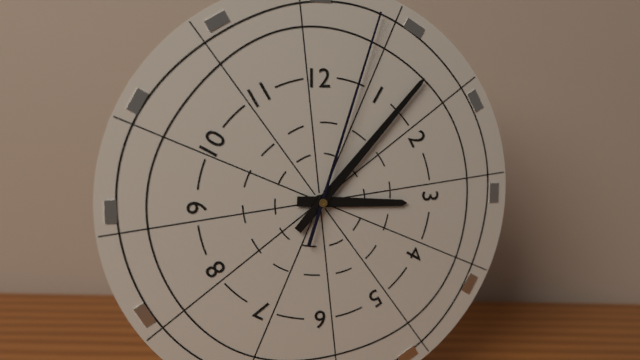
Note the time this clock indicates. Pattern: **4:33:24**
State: **3:07:03**
